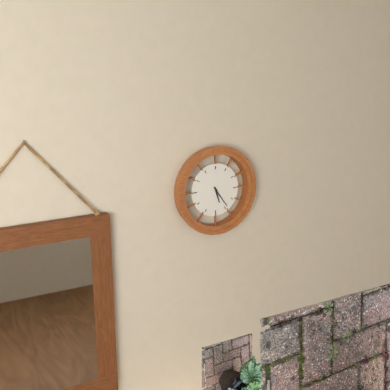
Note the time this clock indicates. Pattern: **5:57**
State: **5:24**
